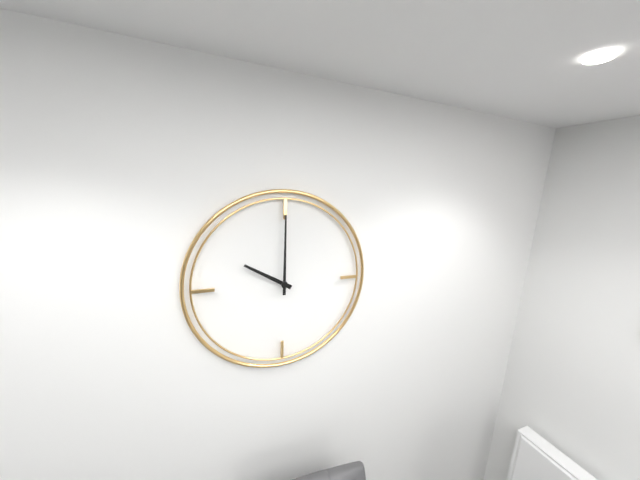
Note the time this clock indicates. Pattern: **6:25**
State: **10:00**
